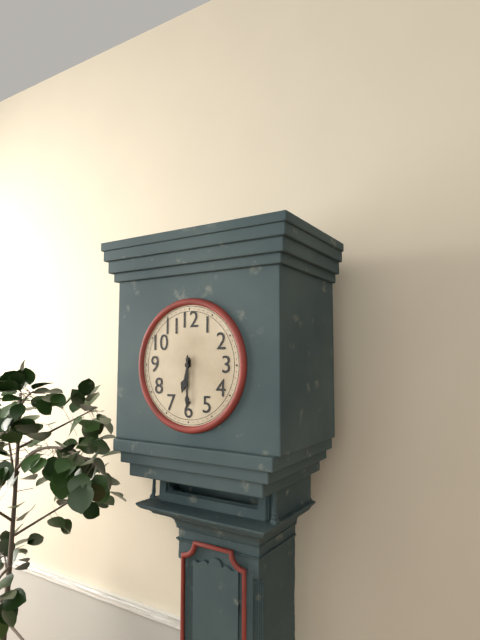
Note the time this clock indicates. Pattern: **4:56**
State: **6:30**
